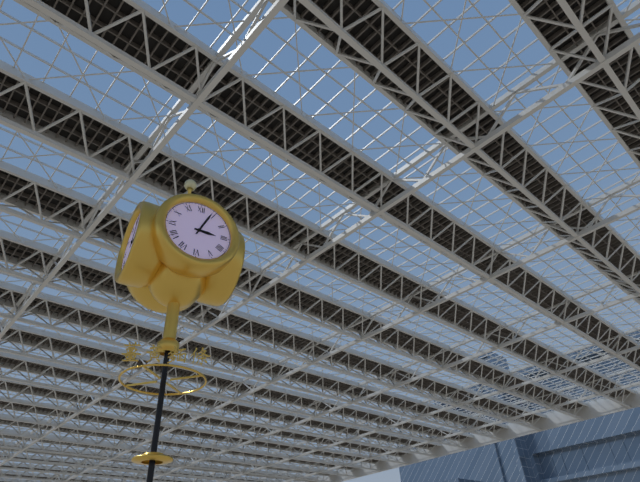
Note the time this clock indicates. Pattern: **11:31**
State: **3:04**
